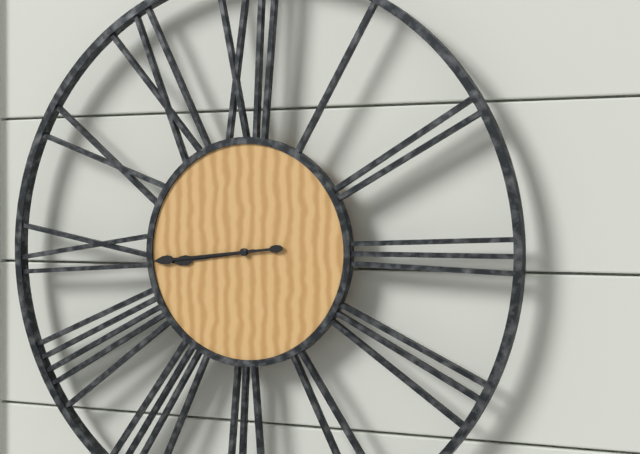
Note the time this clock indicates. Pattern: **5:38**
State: **8:44**
